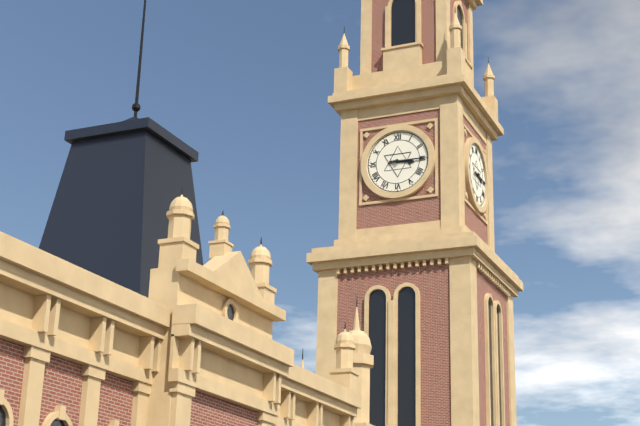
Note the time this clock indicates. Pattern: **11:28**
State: **3:15**
